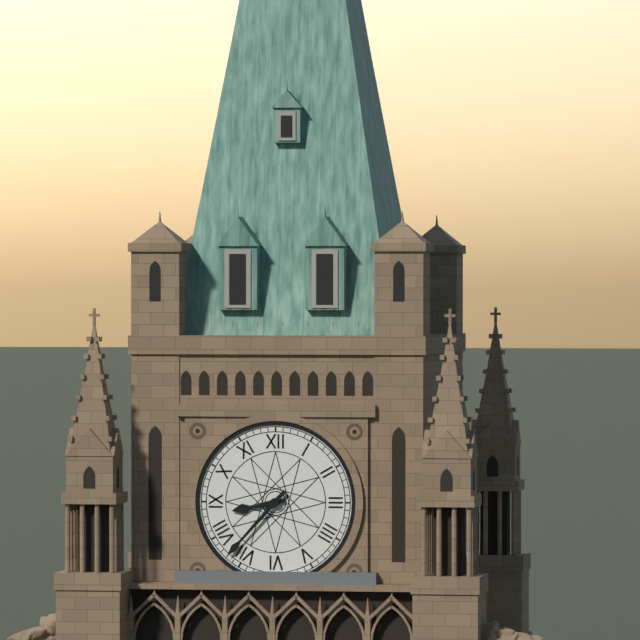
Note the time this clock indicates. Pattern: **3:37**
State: **8:37**
